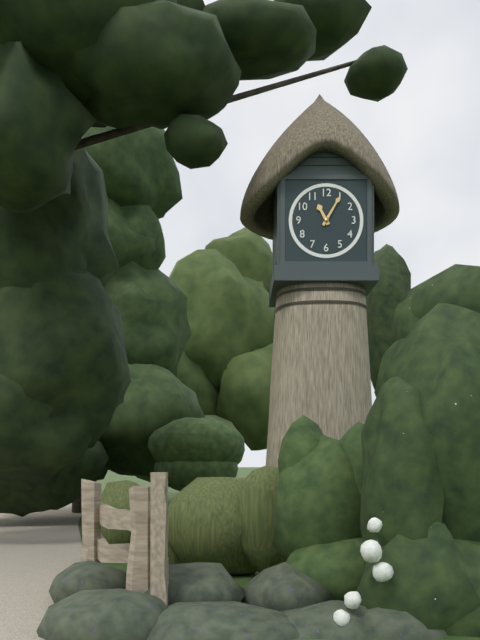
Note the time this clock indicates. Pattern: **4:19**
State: **11:05**
